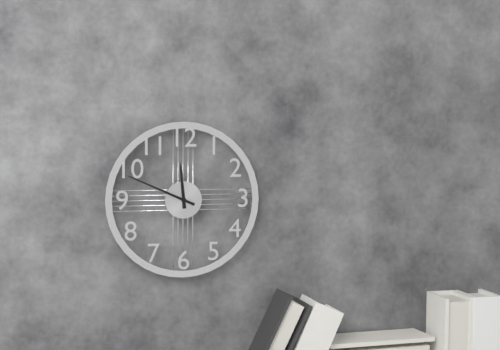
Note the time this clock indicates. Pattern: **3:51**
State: **11:49**
